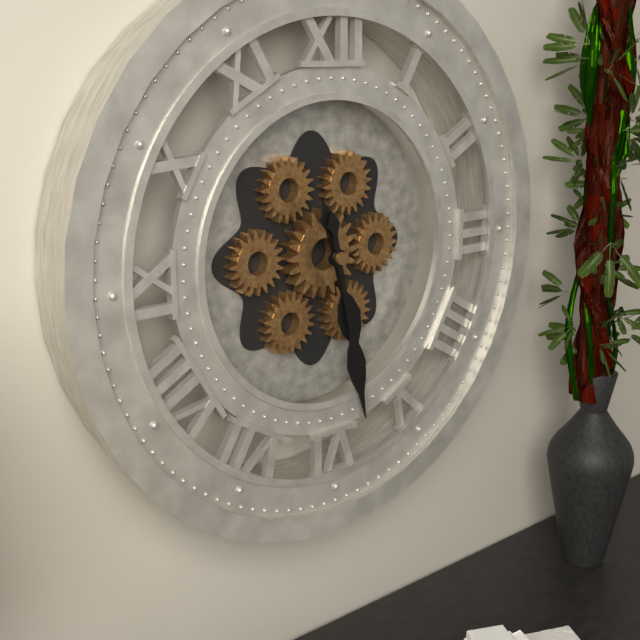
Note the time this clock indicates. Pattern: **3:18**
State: **5:28**
